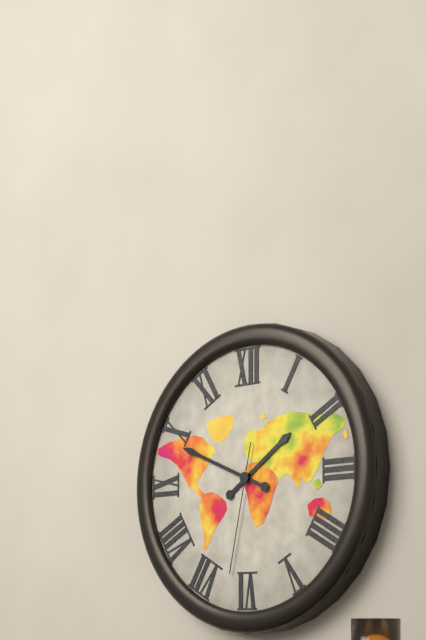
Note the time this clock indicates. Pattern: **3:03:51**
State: **1:49:32**
